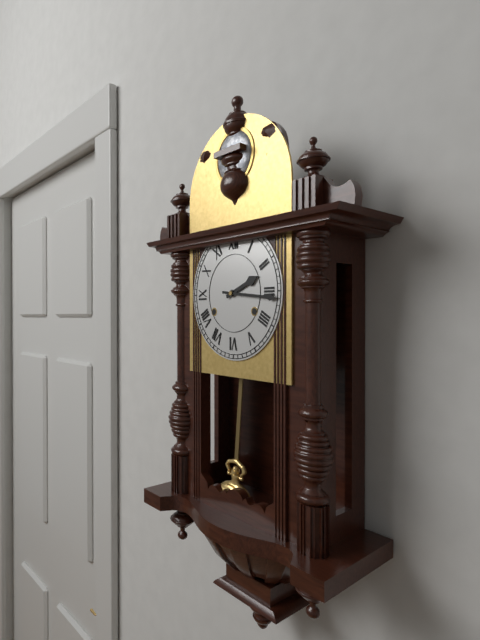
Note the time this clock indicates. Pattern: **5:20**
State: **2:16**
